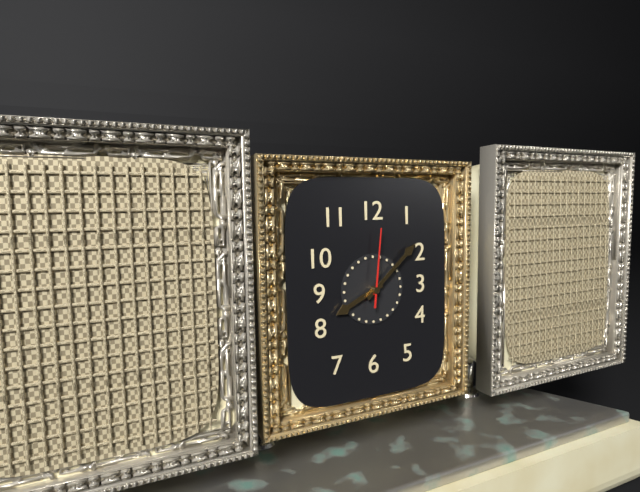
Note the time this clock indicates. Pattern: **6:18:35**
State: **8:08:01**
